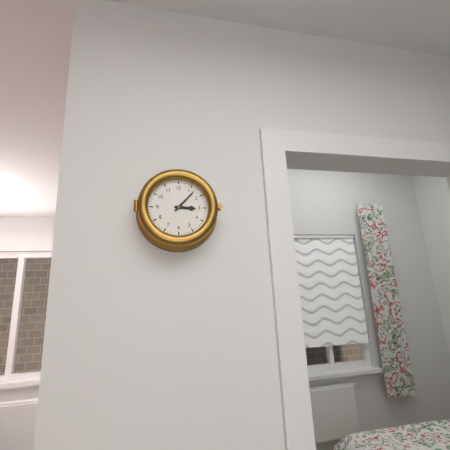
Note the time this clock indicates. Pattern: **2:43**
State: **3:07**
